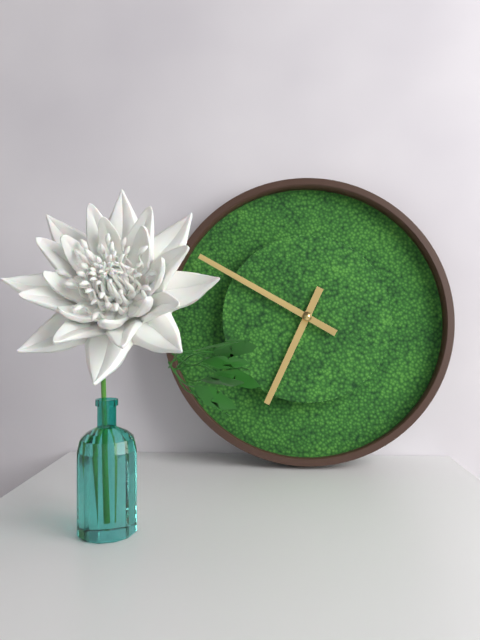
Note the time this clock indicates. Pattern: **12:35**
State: **6:50**
